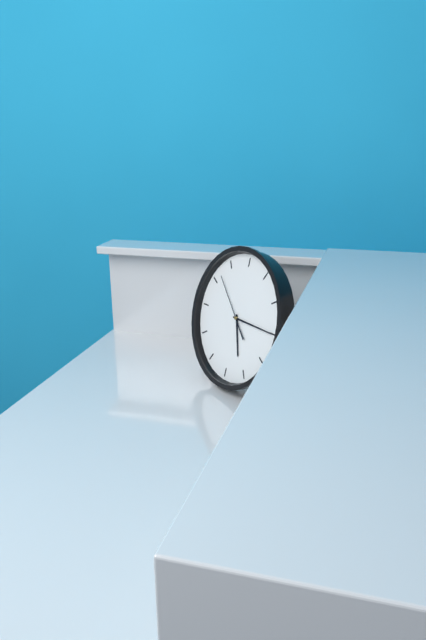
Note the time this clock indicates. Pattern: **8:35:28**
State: **5:15:52**
